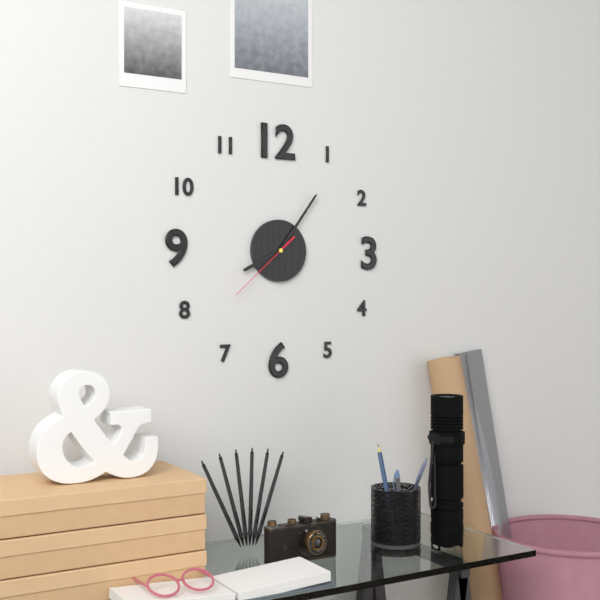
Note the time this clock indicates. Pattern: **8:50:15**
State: **8:06:38**
